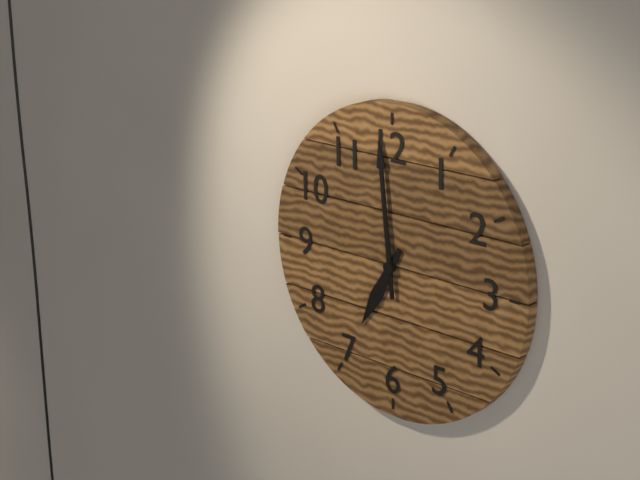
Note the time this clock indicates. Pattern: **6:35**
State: **6:59**
